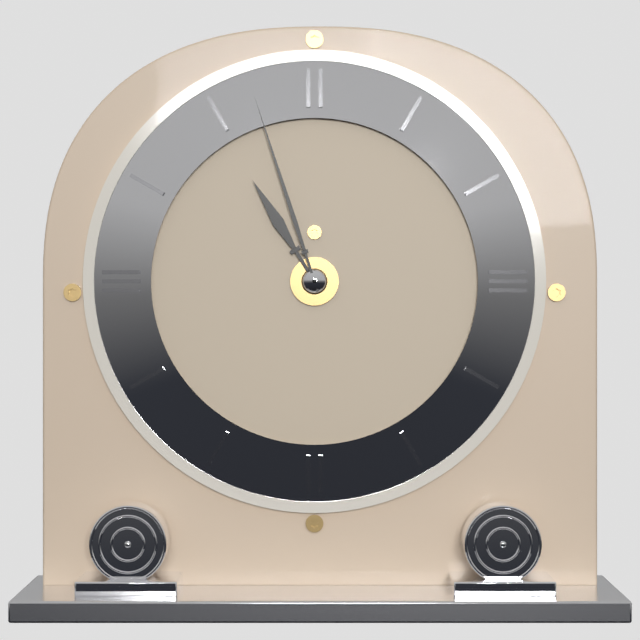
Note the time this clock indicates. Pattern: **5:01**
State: **10:57**
